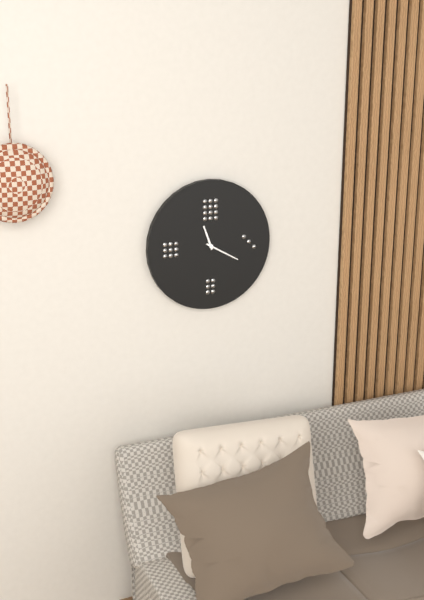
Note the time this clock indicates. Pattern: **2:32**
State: **11:20**
